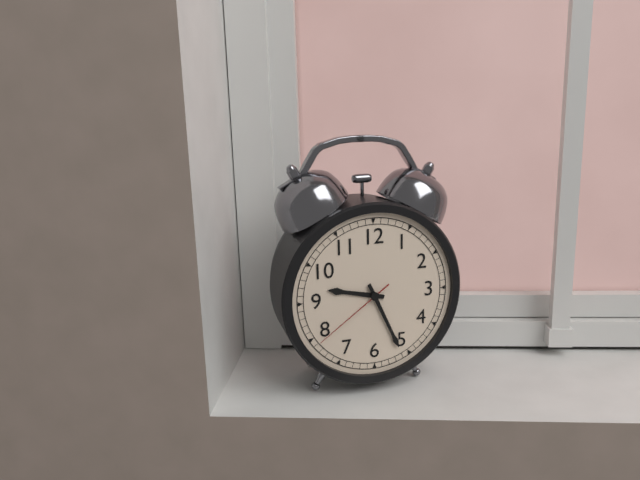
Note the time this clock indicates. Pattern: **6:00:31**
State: **9:26:39**
